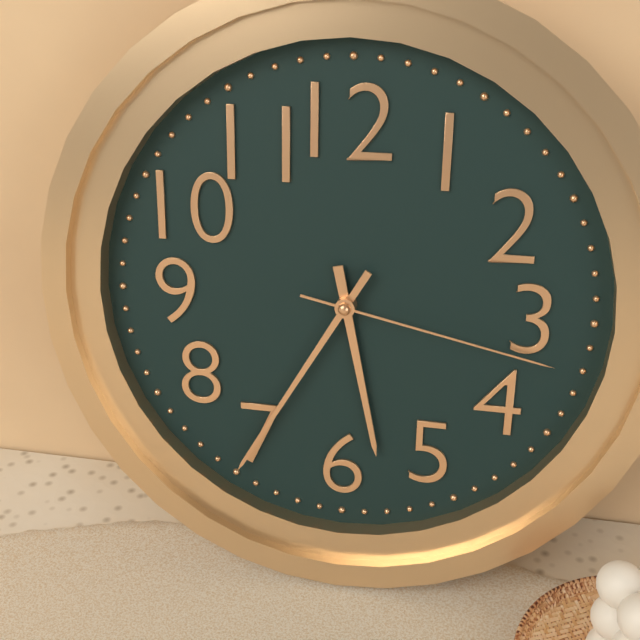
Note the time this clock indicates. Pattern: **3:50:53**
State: **5:35:17**
